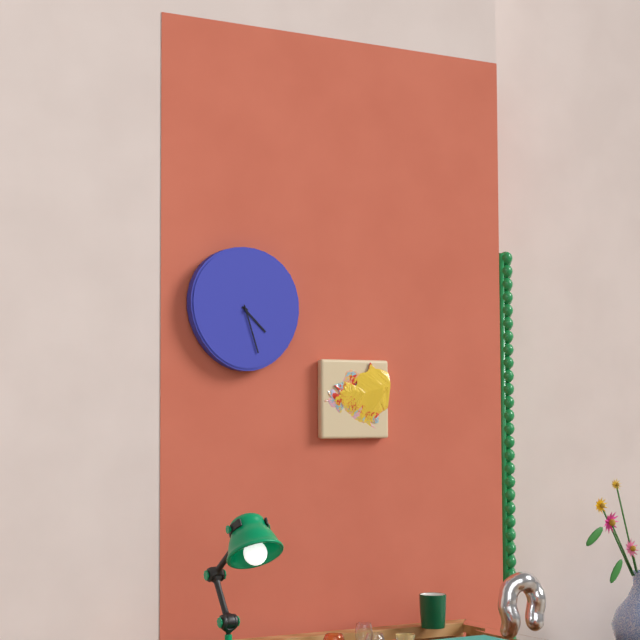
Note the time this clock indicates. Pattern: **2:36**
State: **4:27**
